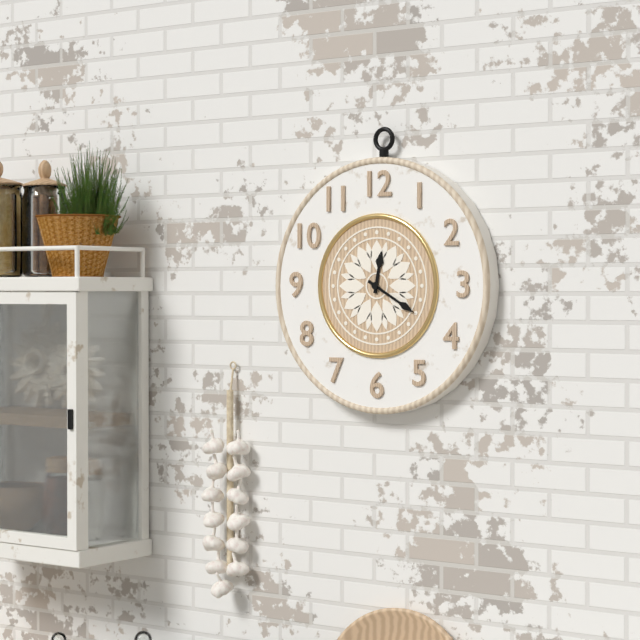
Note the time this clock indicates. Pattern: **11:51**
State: **12:20**
